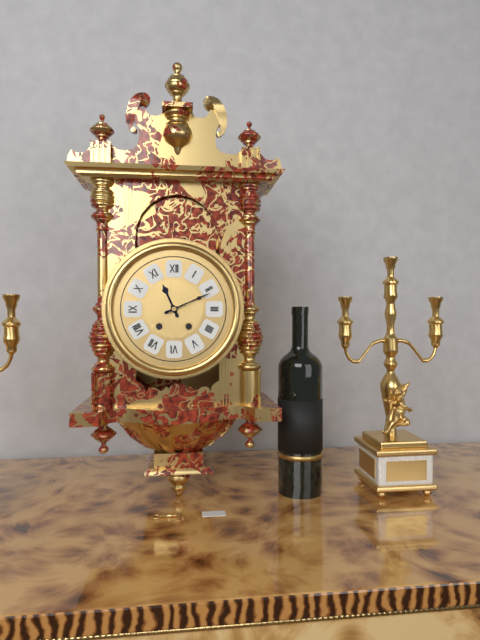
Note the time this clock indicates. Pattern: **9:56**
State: **11:11**
